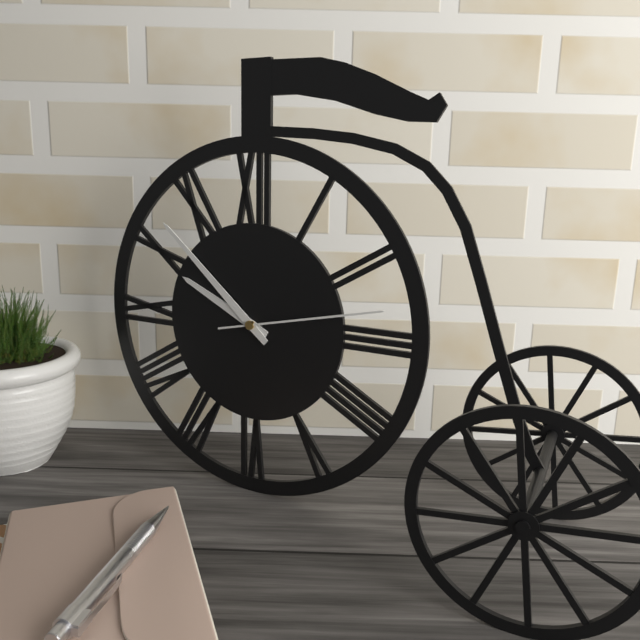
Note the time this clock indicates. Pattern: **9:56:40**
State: **9:52:13**
